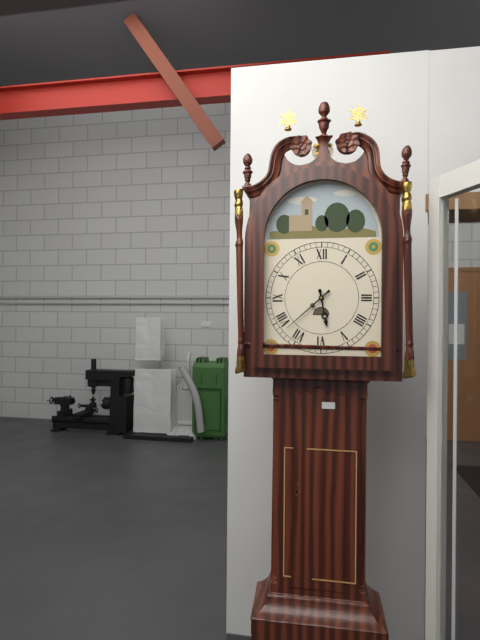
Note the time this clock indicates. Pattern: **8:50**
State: **5:38**
